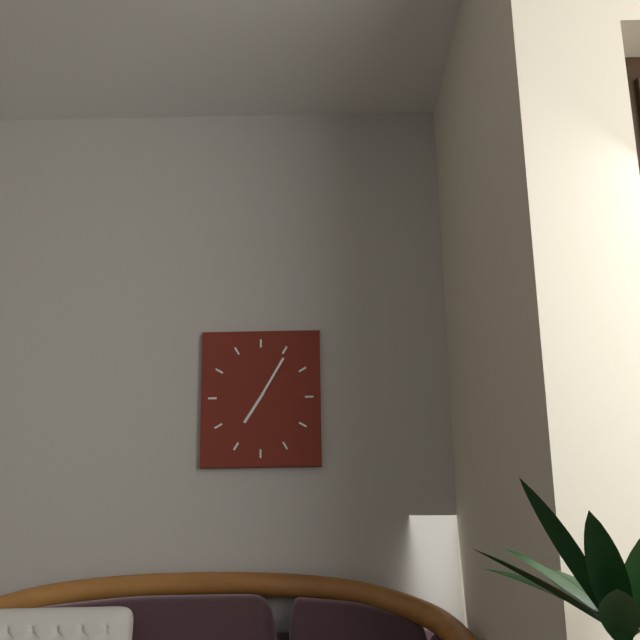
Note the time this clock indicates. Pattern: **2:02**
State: **7:05**
